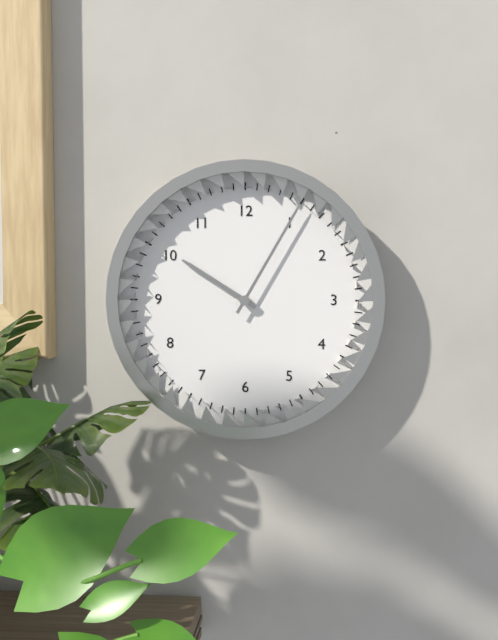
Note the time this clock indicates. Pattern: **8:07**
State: **10:05**
